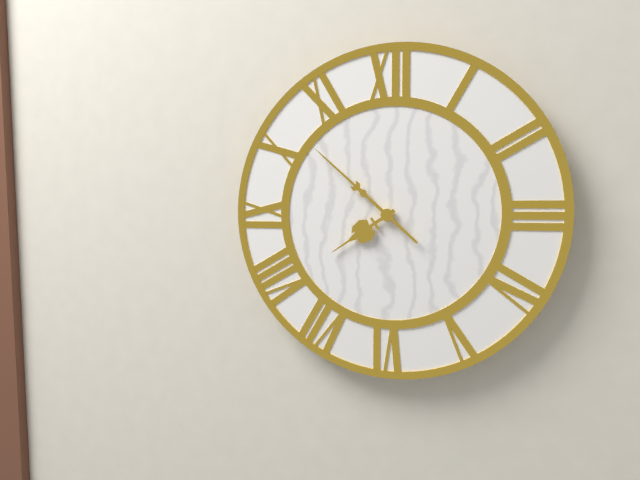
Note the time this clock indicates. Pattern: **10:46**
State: **7:52**
